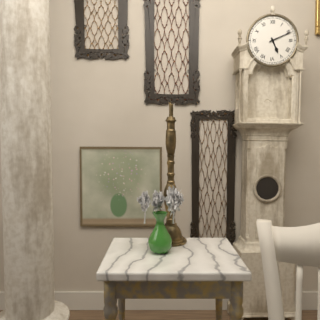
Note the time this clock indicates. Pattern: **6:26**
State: **5:11**
